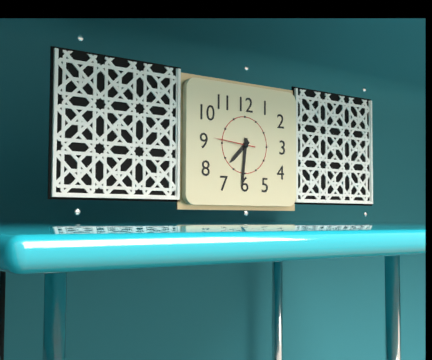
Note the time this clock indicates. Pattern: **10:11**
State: **7:31**
